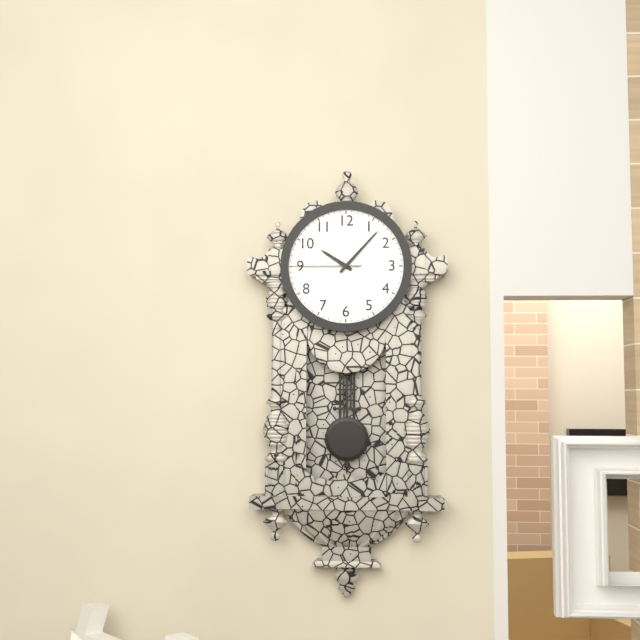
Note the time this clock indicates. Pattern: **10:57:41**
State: **10:07:45**
